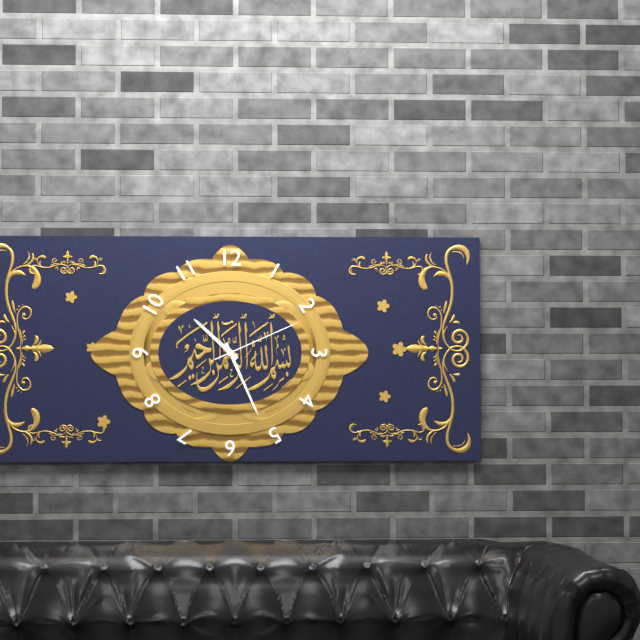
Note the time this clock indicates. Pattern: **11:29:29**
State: **10:26:11**
